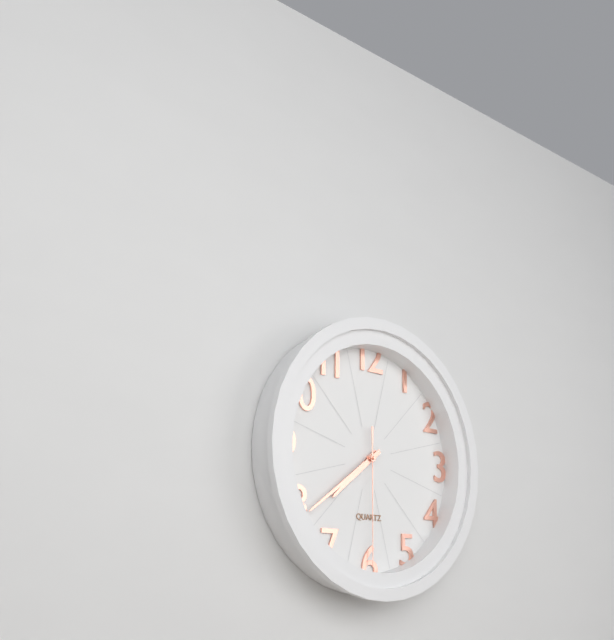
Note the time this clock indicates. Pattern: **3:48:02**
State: **7:39:30**
